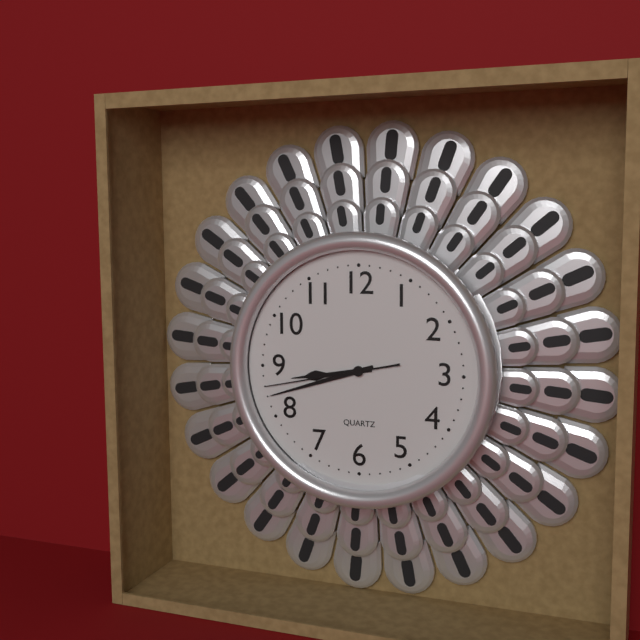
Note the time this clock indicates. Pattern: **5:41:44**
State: **8:42:43**
